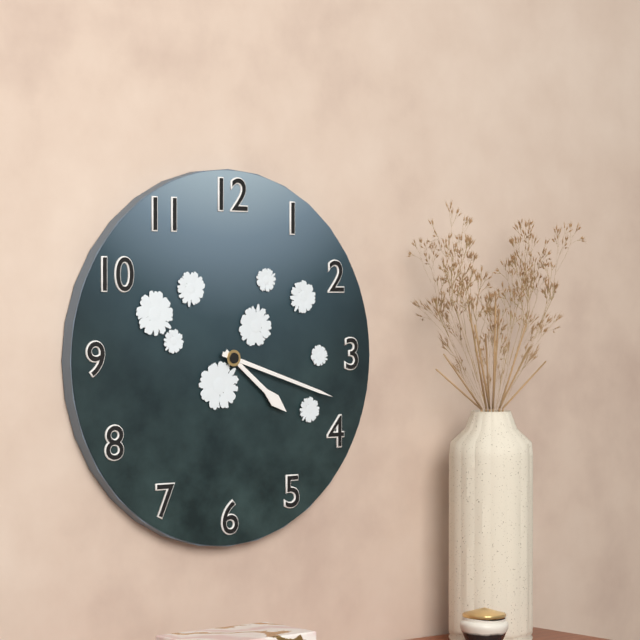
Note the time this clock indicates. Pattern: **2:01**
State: **4:18**
